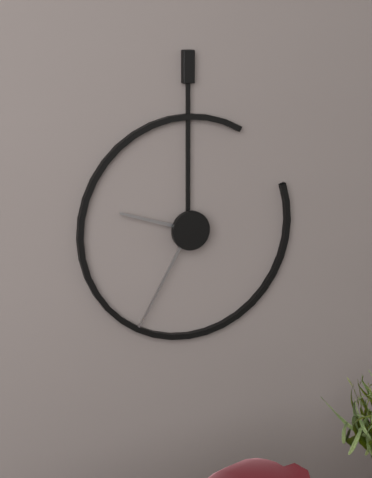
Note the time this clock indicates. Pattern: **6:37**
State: **9:35**
